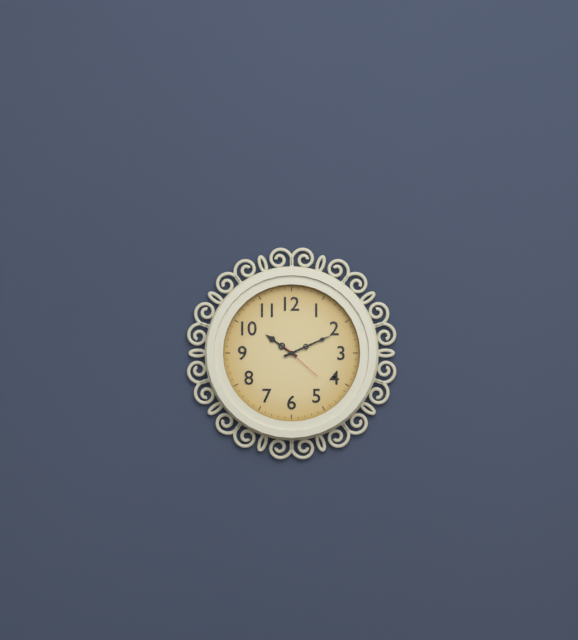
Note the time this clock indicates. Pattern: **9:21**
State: **10:11**
